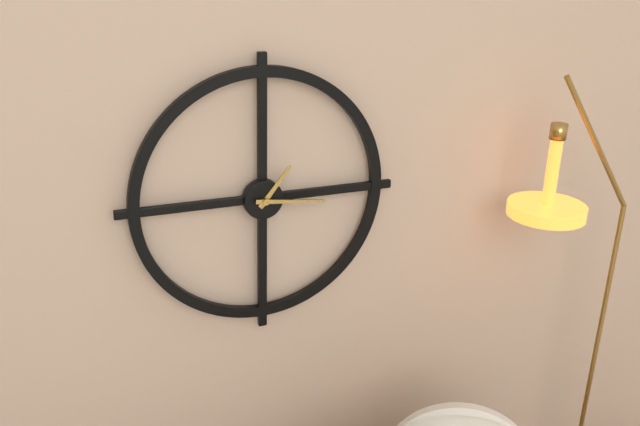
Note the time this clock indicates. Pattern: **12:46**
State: **1:16**
